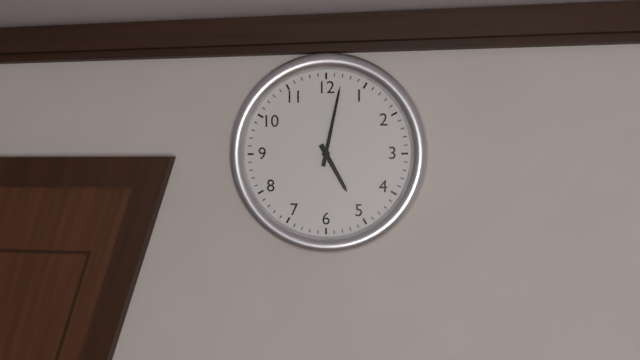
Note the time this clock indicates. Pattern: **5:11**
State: **5:02**
